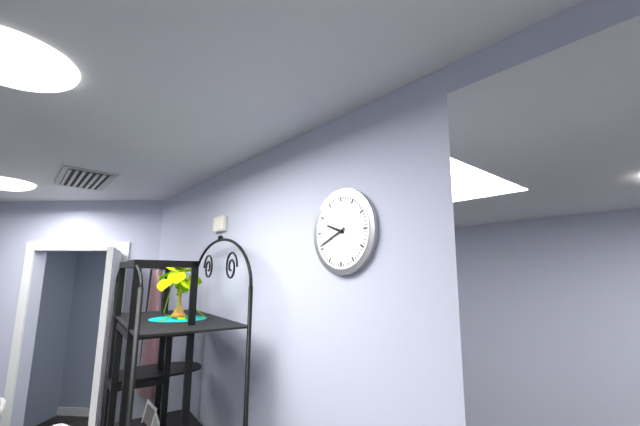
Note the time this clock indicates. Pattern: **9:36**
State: **9:41**
